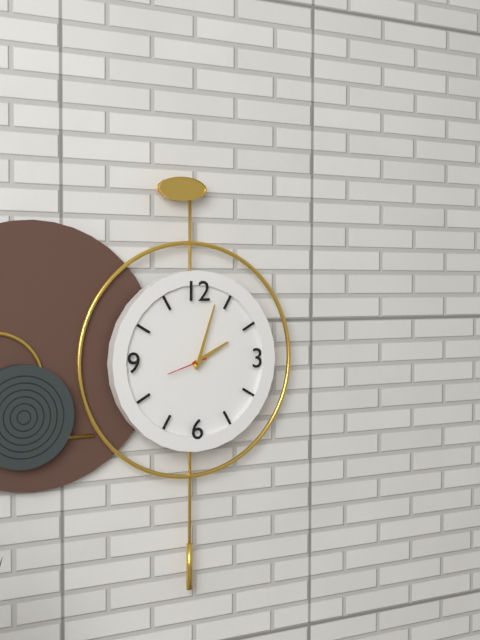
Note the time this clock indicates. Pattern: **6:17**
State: **2:03**
